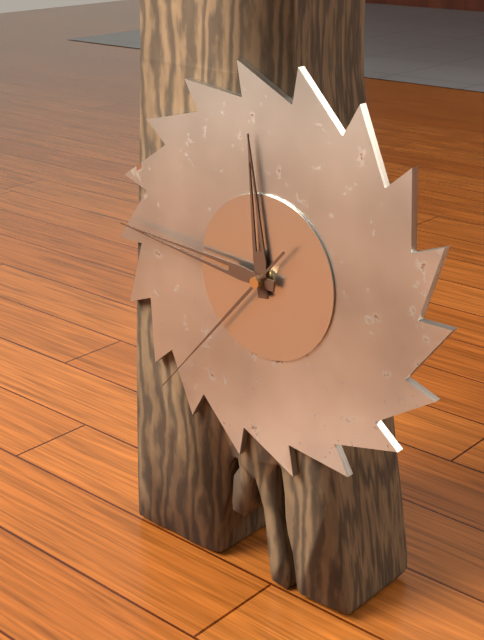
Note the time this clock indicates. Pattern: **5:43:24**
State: **11:46:37**
